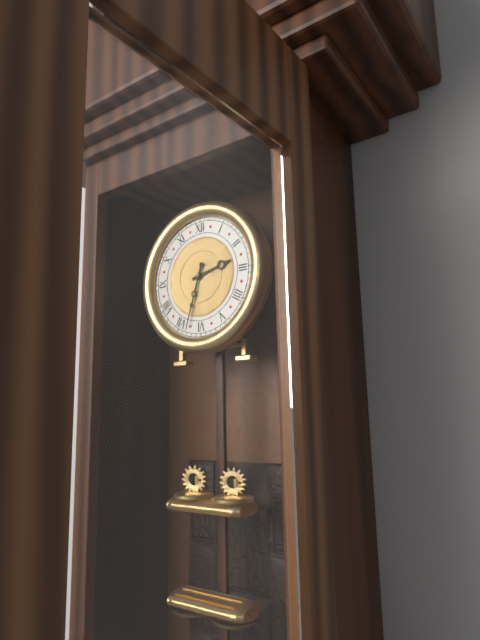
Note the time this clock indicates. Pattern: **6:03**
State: **2:33**
